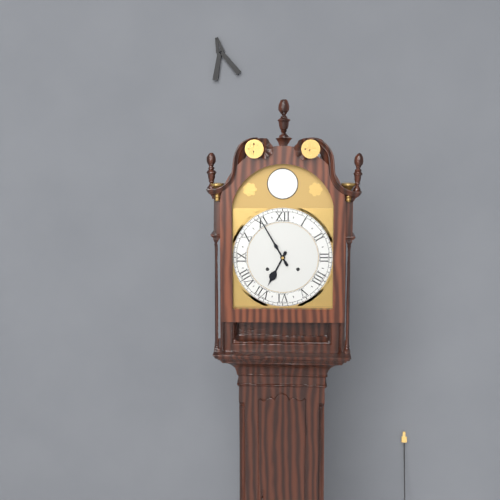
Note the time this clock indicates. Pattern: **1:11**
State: **6:55**
